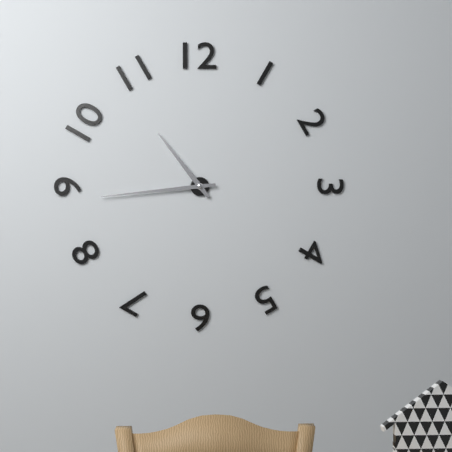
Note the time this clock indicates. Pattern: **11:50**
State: **10:44**
